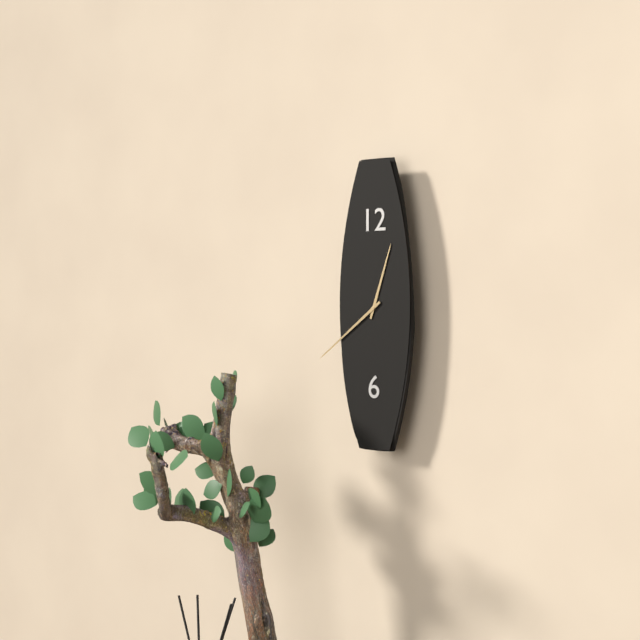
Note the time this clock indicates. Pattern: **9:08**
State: **12:39**
